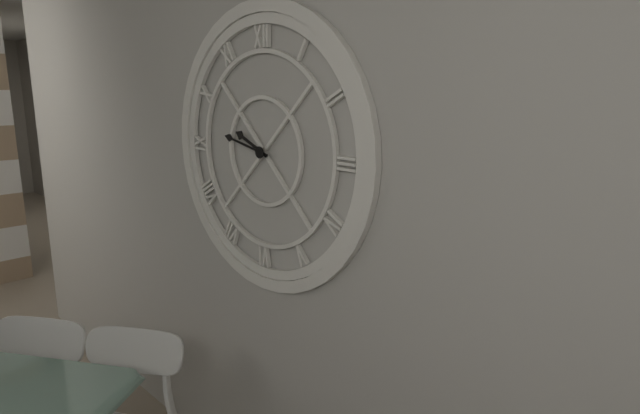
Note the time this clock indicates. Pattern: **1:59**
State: **9:47**
